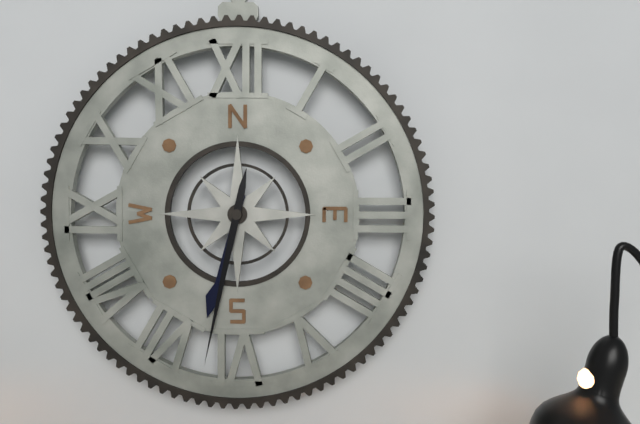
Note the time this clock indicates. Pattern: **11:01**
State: **6:32**
